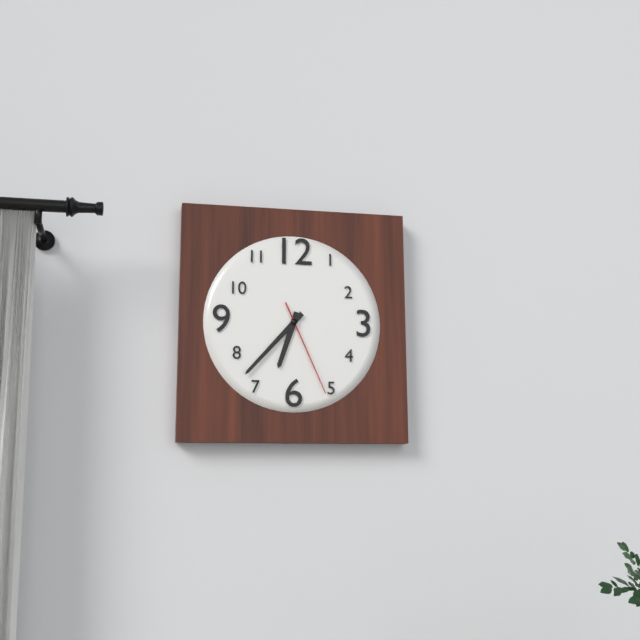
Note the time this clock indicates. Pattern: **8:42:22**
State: **6:37:26**
